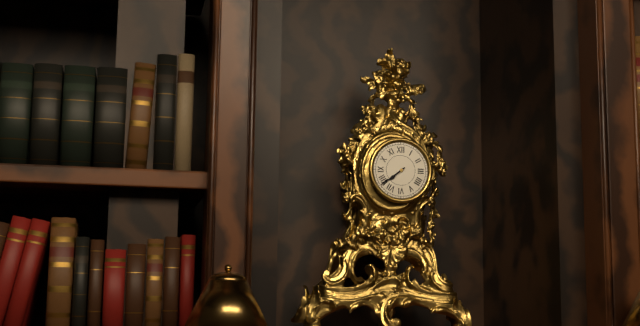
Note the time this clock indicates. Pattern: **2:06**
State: **7:39**
